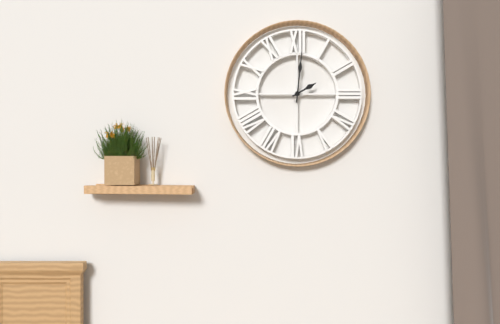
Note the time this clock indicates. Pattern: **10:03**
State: **2:01**
